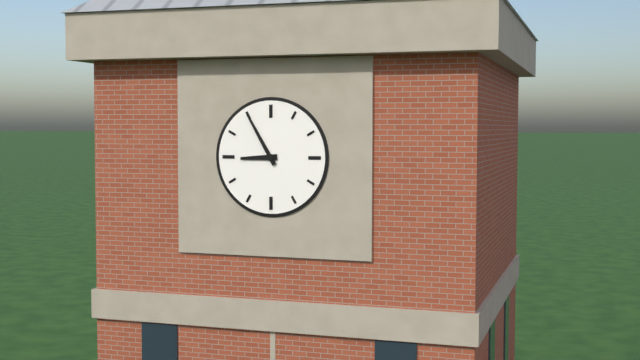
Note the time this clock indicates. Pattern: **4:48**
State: **8:55**
